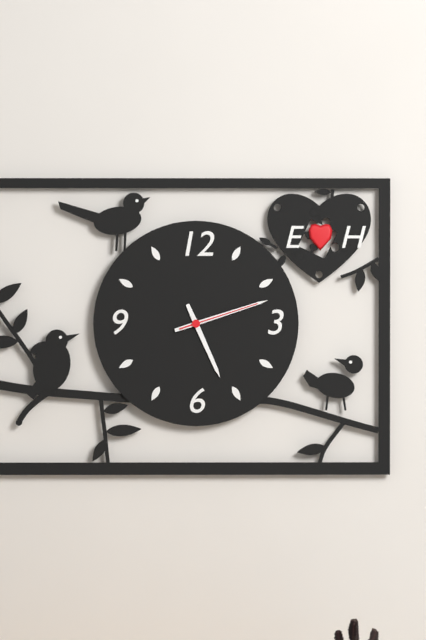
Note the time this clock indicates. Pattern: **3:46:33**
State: **5:12:12**
